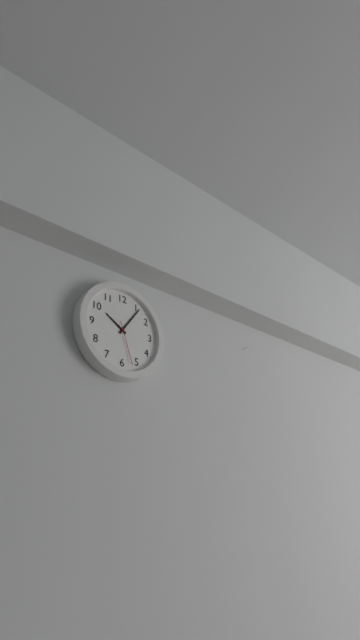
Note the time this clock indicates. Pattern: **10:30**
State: **10:06**
